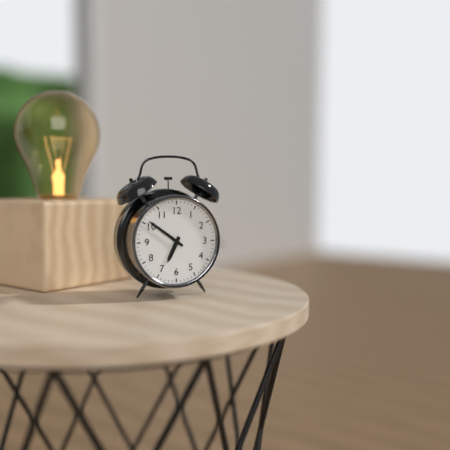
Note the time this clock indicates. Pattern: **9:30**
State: **6:51**
